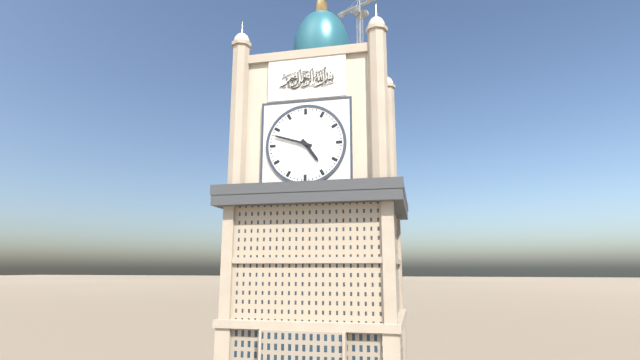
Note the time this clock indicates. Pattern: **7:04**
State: **4:48**
